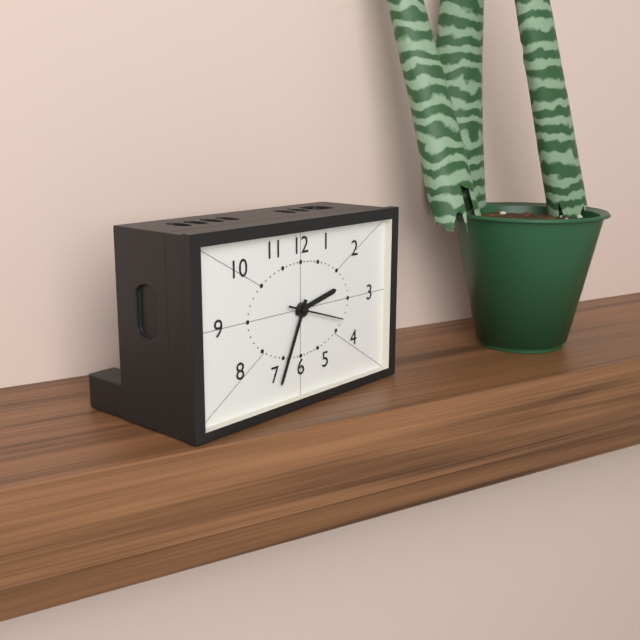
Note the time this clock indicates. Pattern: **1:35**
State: **2:34**
